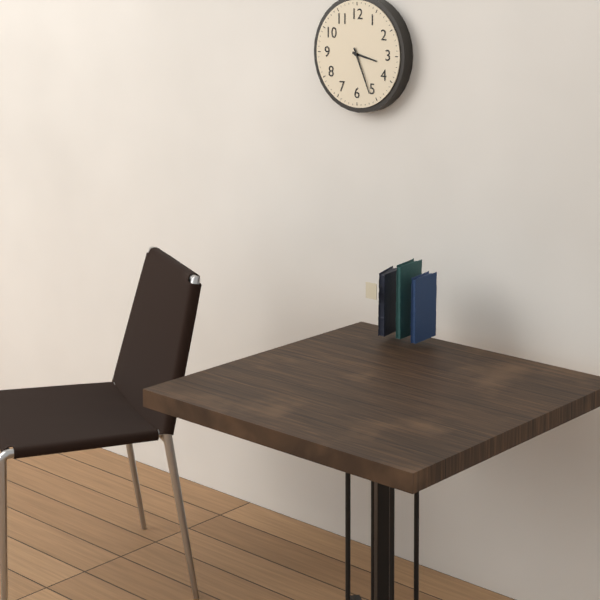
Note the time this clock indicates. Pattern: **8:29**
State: **3:26**
